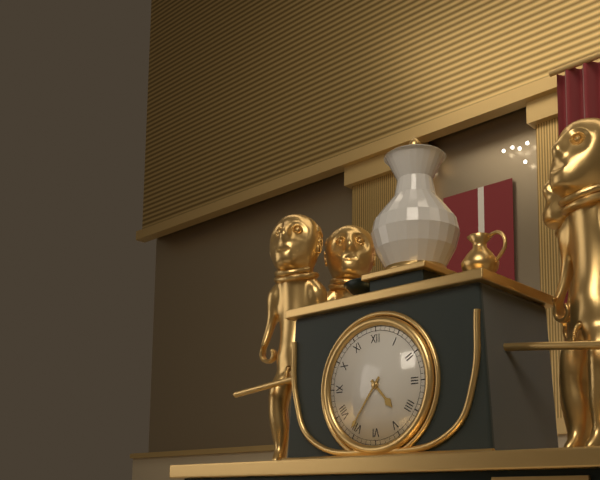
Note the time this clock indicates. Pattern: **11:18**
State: **4:36**
